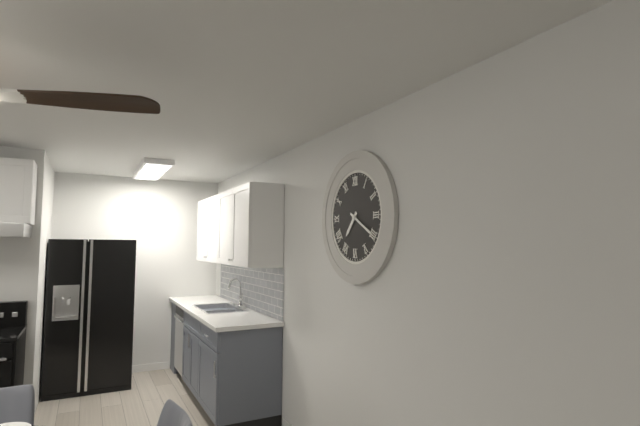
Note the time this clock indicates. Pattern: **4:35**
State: **7:20**
